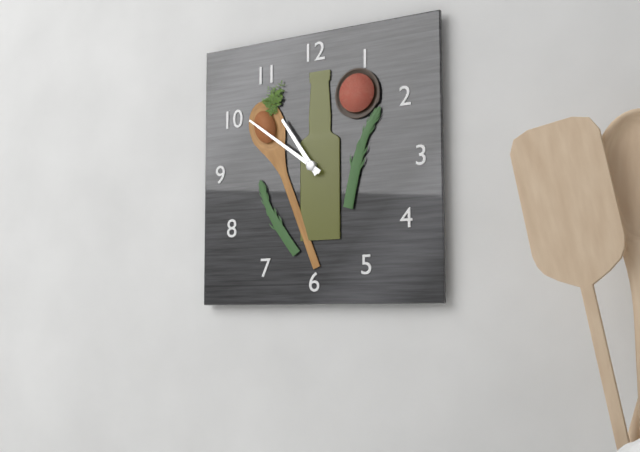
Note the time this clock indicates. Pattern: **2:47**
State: **10:51**
